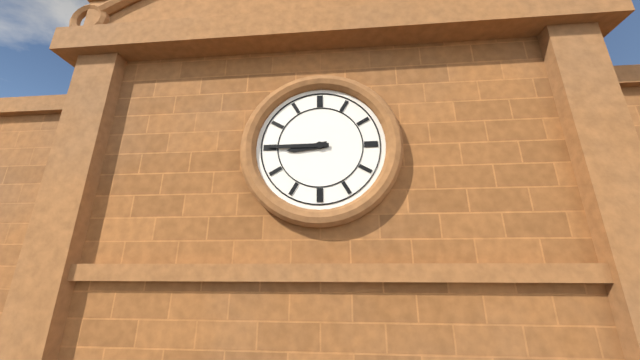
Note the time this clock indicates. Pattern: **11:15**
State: **8:45**
